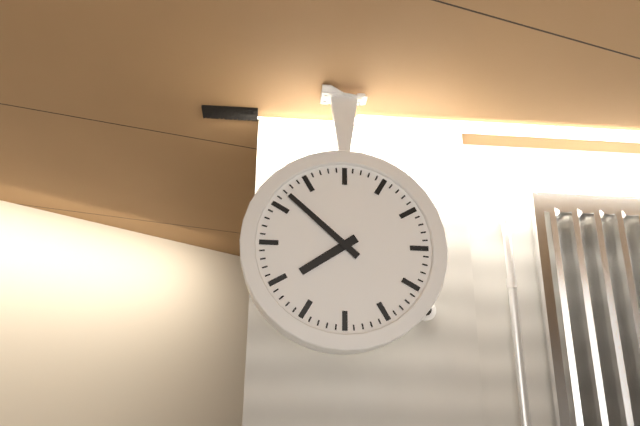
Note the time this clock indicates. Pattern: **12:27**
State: **7:52**
